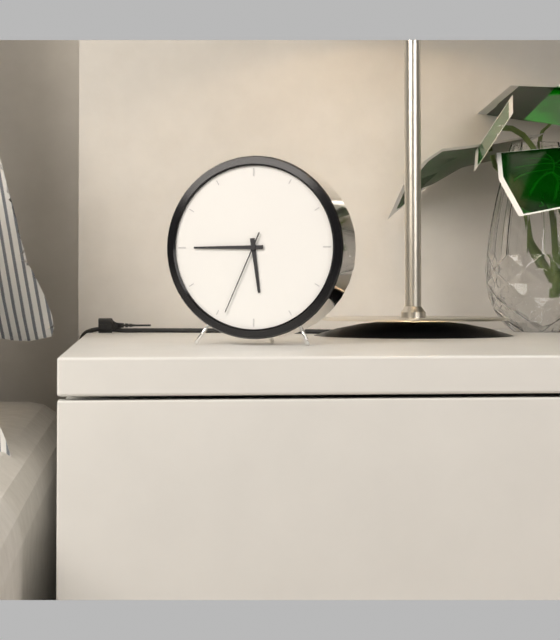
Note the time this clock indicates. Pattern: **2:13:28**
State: **5:45:34**
